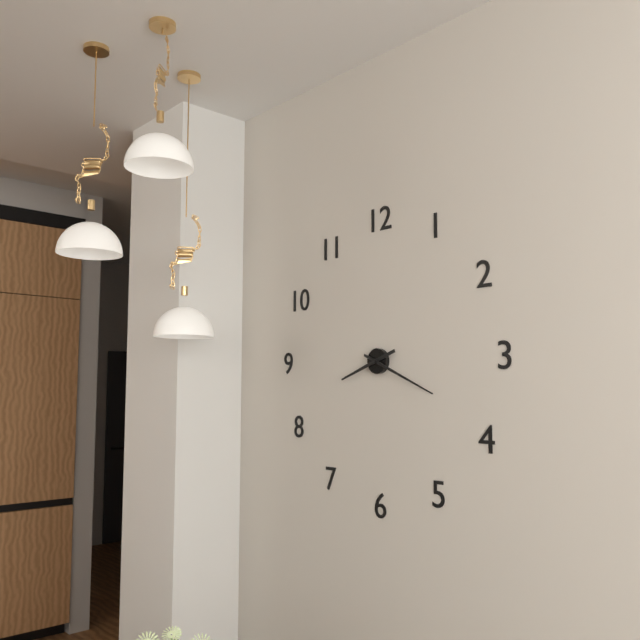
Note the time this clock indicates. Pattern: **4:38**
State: **8:19**
